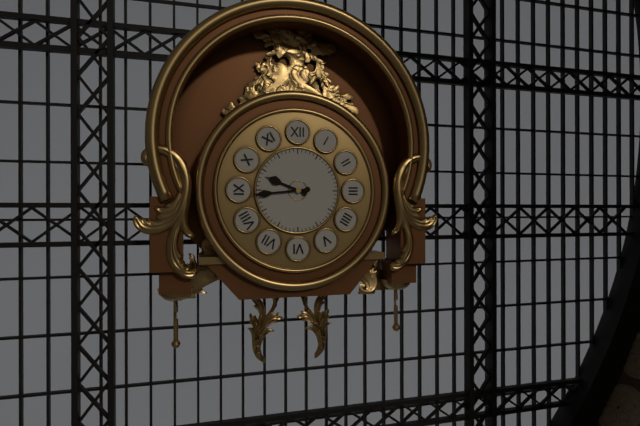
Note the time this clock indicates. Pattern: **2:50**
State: **9:44**
